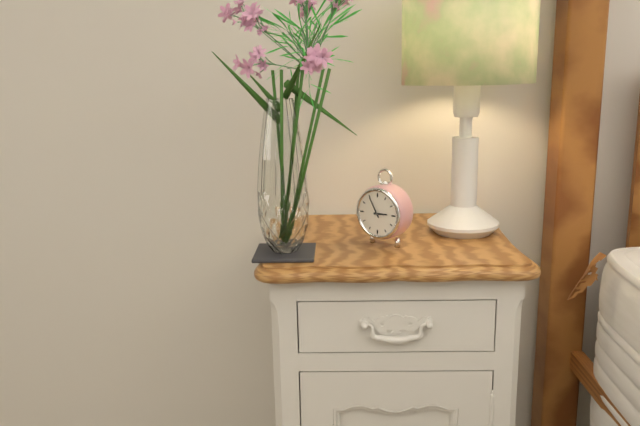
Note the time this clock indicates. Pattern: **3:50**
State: **2:55**
